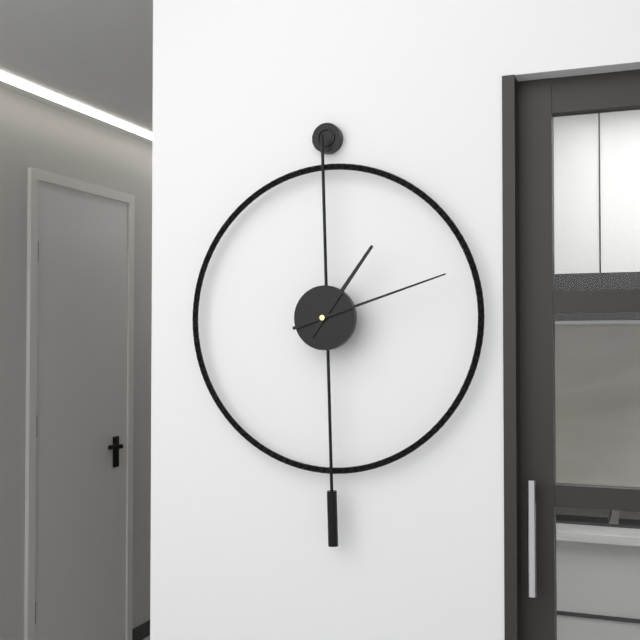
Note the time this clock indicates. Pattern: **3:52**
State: **1:12**
